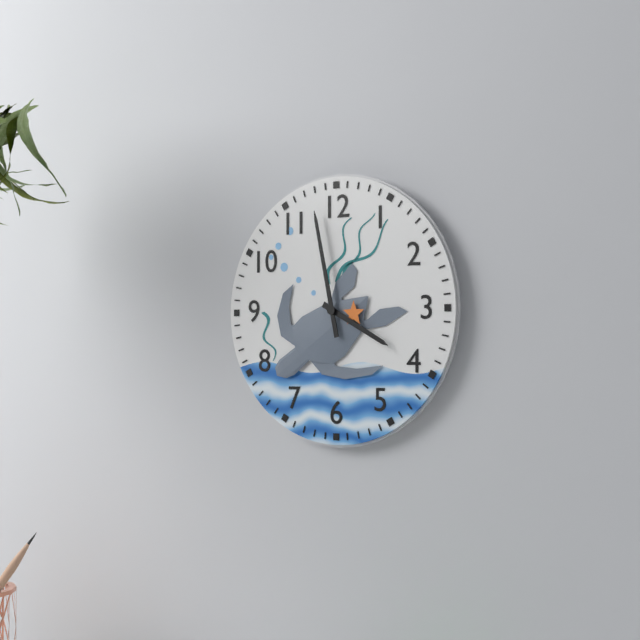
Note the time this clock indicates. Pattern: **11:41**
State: **3:58**
